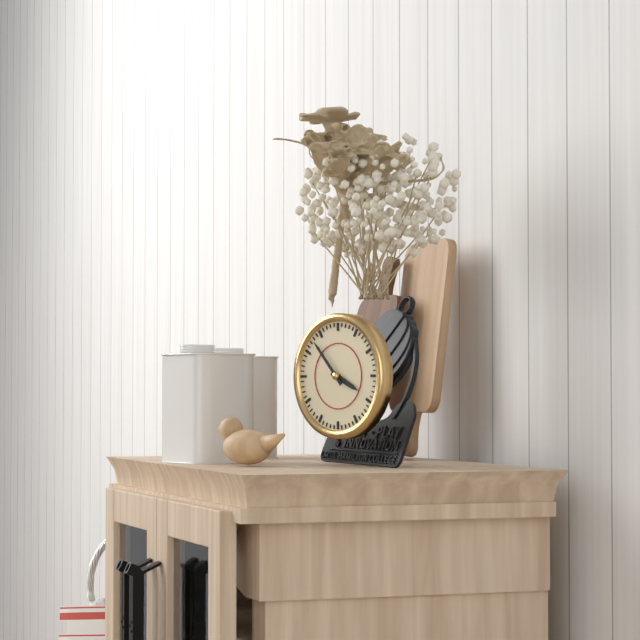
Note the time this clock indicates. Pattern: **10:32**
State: **3:53**
